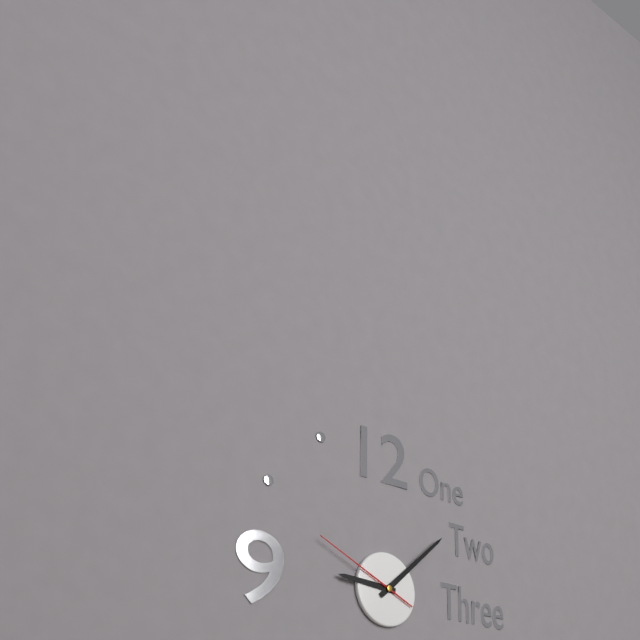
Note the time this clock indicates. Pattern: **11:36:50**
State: **9:08:49**
